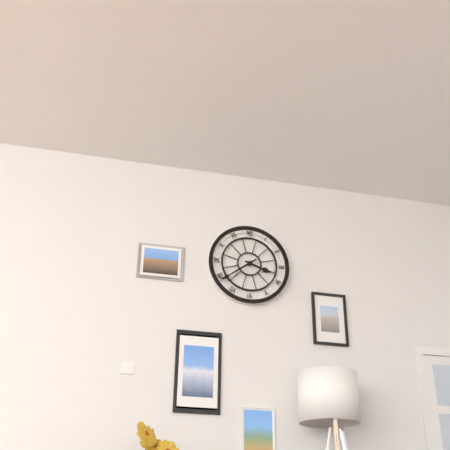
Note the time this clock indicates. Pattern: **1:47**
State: **3:39**
